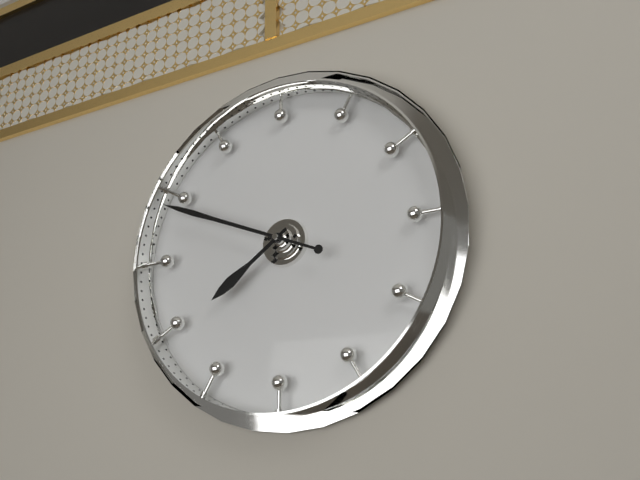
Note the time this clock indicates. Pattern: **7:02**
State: **7:49**
